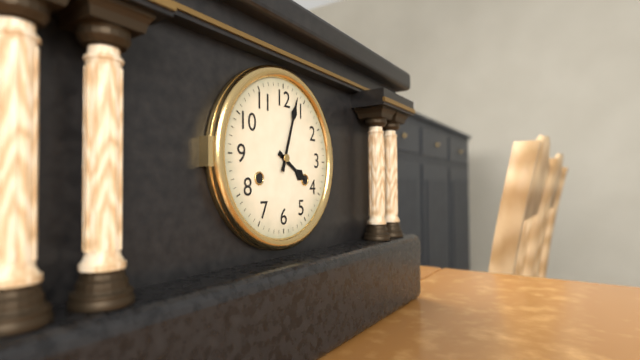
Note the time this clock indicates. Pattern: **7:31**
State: **4:03**
